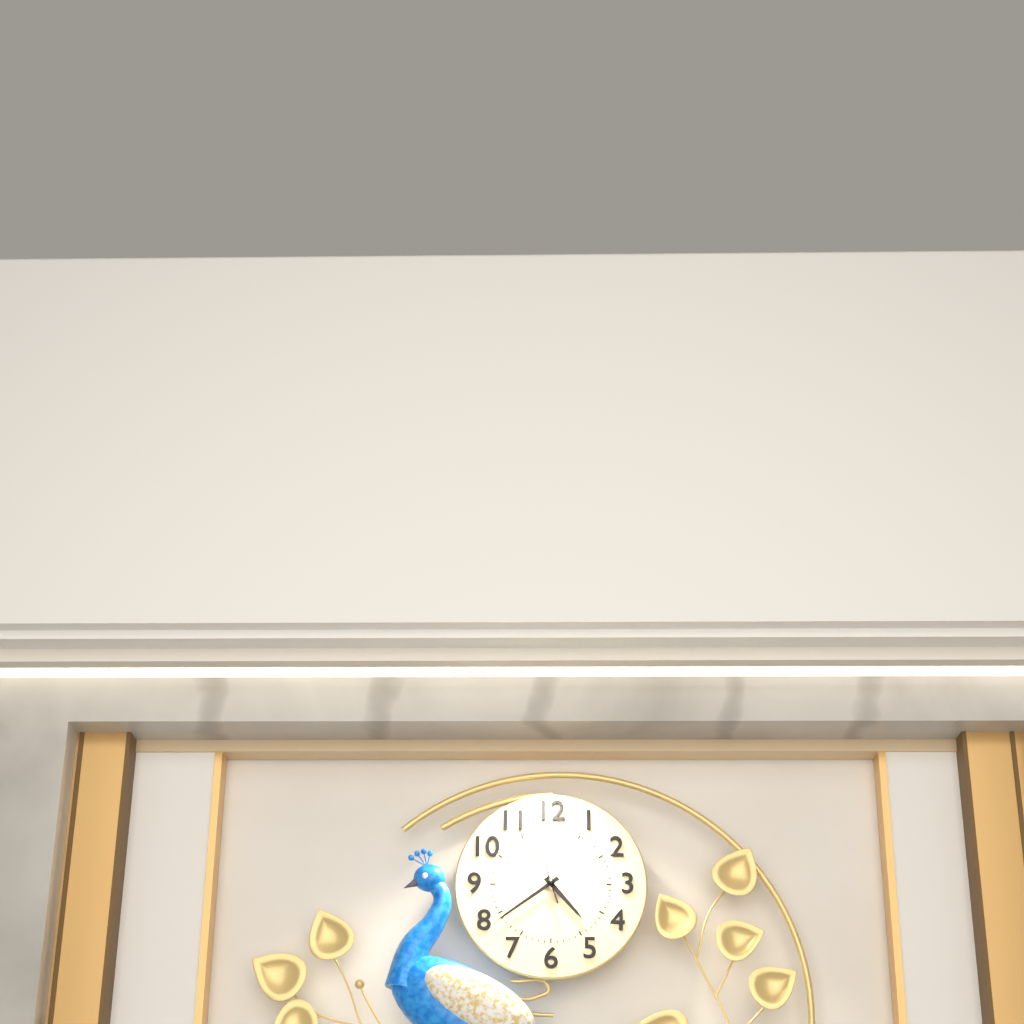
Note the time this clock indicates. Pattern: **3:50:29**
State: **4:39:57**
